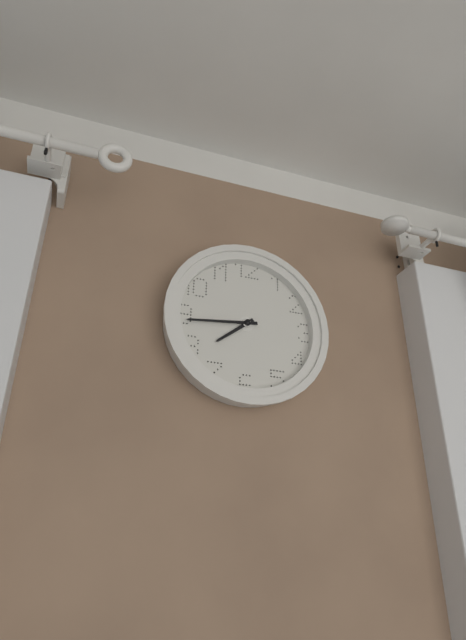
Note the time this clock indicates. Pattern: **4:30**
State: **7:44**
